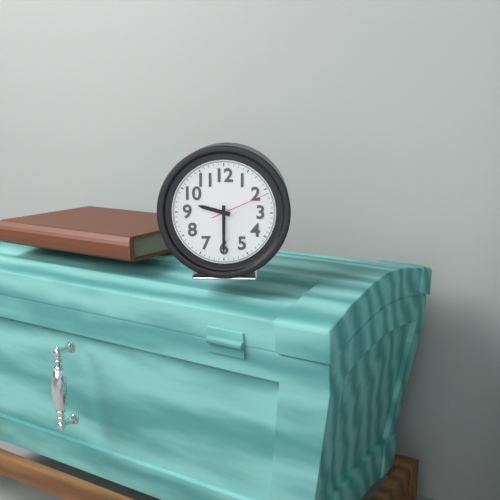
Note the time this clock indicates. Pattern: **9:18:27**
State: **9:30:11**
